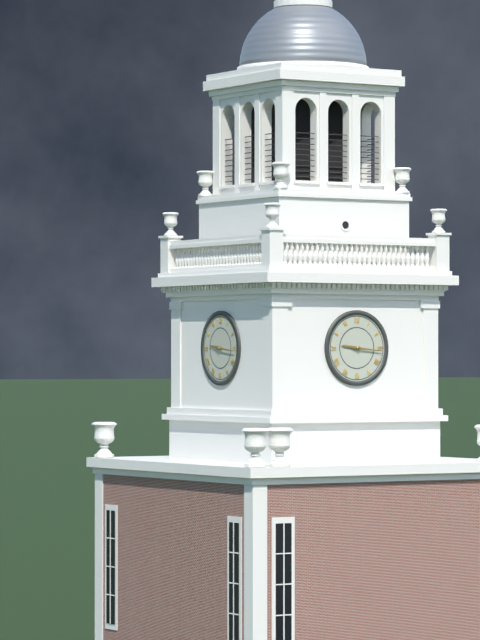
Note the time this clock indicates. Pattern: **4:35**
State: **9:16**
